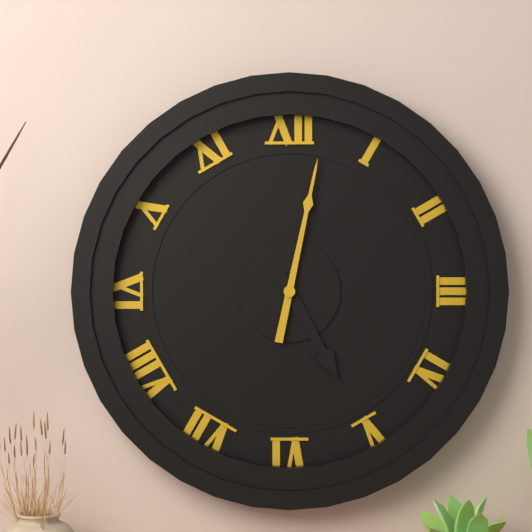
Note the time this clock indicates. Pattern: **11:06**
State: **5:02**
